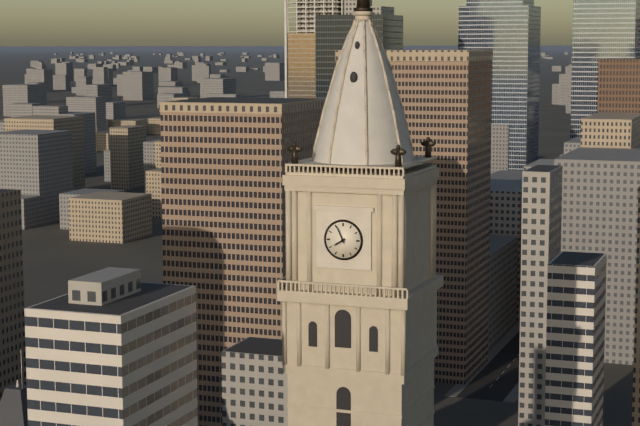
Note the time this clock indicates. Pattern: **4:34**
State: **7:56**
